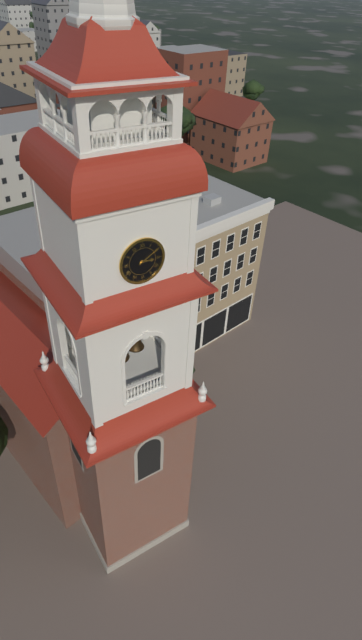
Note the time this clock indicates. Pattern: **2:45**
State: **3:10**
